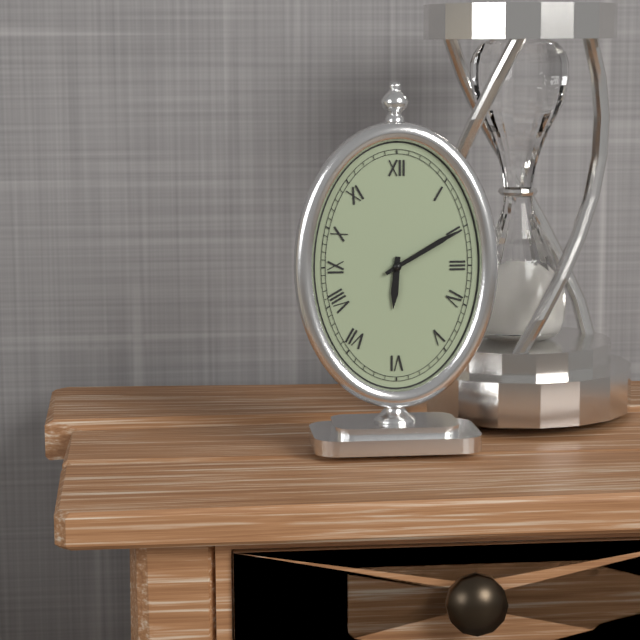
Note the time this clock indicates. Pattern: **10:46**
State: **6:10**
